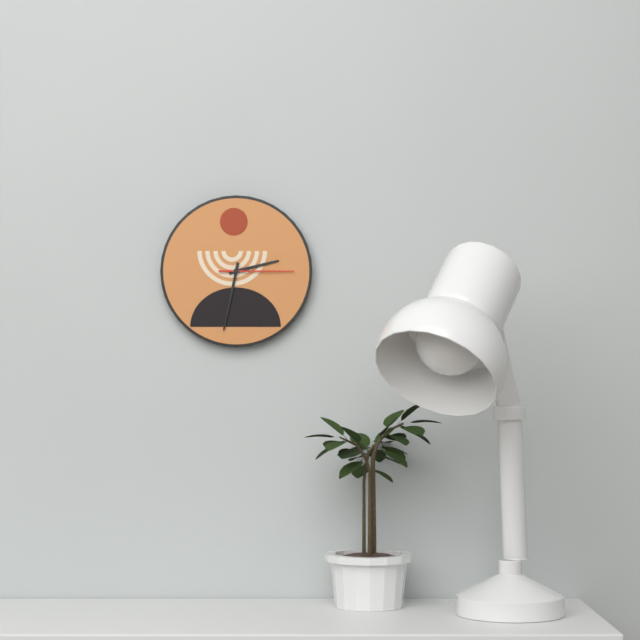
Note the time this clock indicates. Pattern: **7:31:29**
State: **2:32:15**
